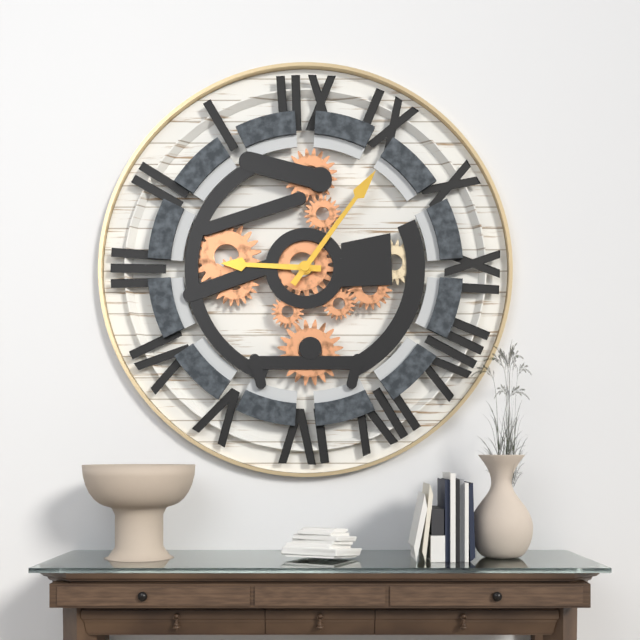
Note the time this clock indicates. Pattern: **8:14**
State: **9:06**
